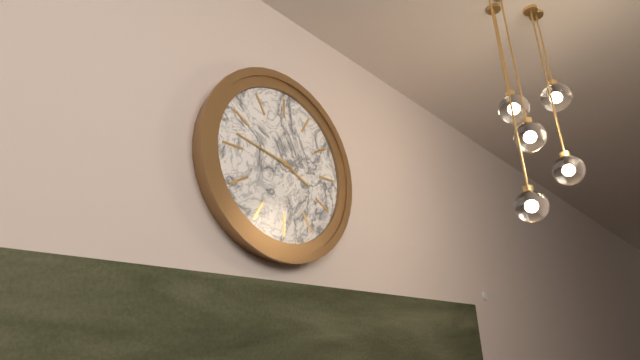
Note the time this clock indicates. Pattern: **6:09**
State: **3:47**
